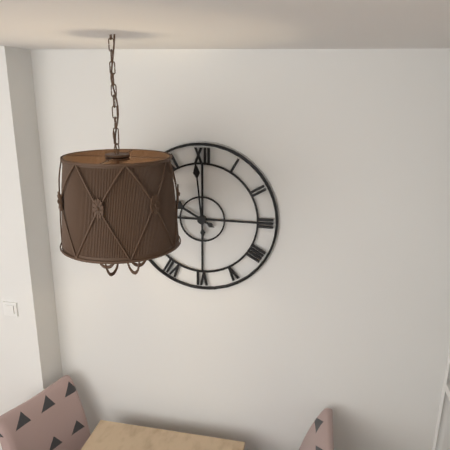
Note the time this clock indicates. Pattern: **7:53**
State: **9:59**
